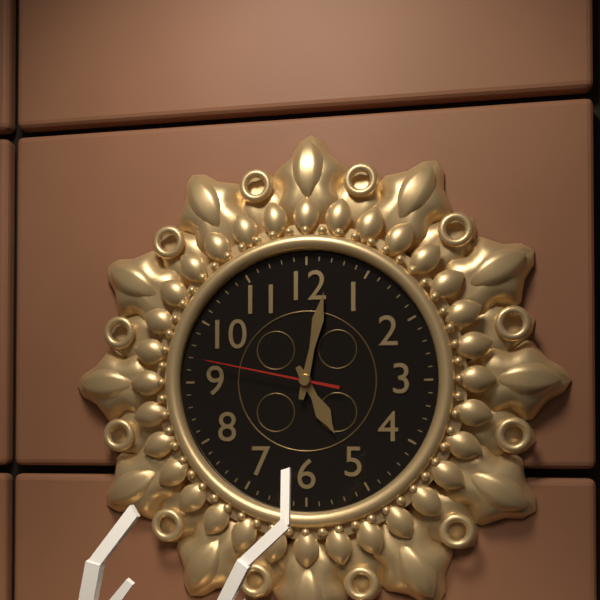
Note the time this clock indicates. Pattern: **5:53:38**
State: **5:02:47**
